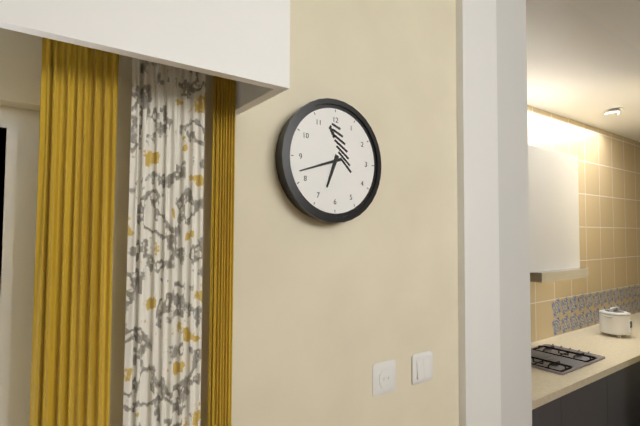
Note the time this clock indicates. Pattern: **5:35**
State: **6:42**
